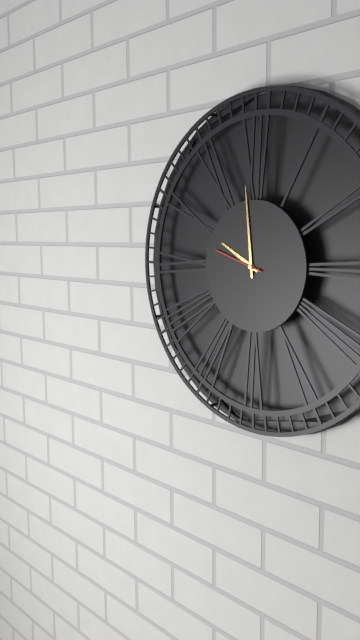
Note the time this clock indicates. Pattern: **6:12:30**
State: **9:59:48**
